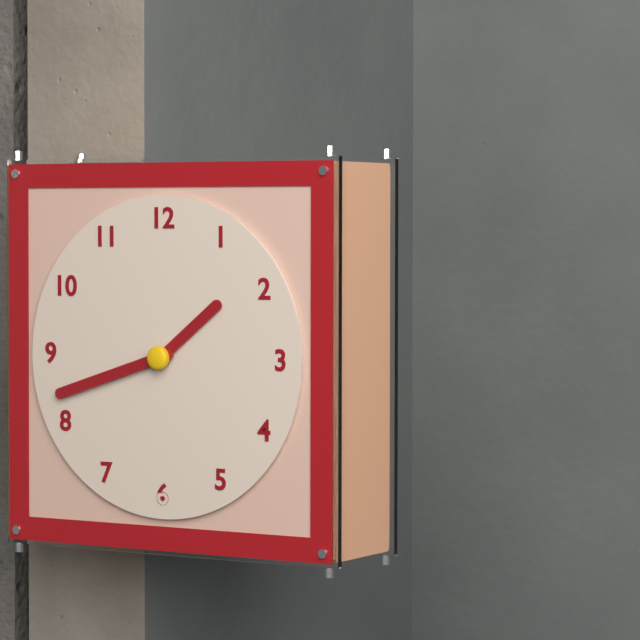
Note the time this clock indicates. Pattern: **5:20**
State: **1:42**
